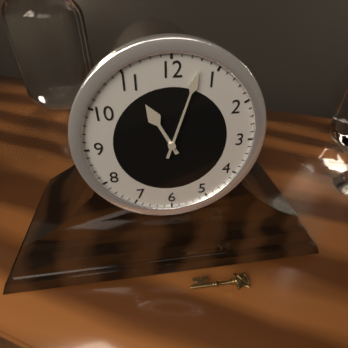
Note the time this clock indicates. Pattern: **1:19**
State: **11:03**
